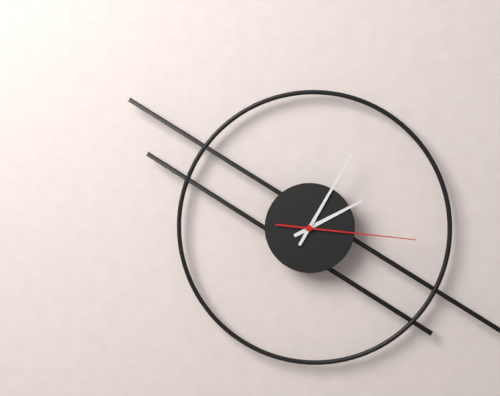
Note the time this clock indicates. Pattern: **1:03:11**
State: **2:05:16**
